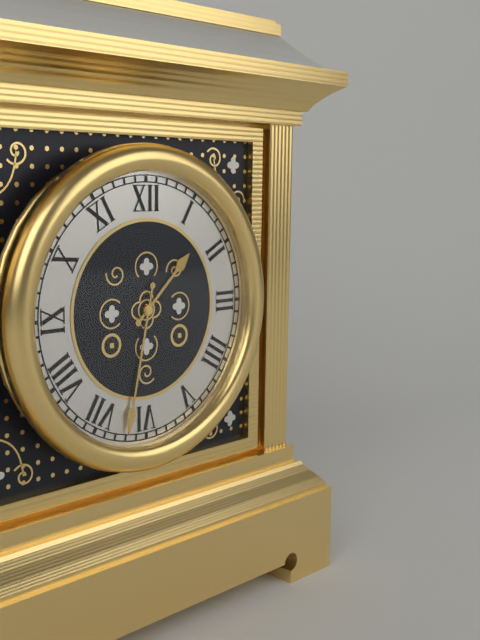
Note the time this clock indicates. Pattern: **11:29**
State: **1:32**
